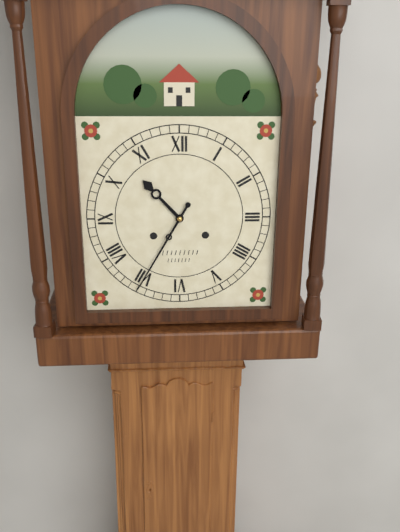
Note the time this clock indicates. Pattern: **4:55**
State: **10:35**
